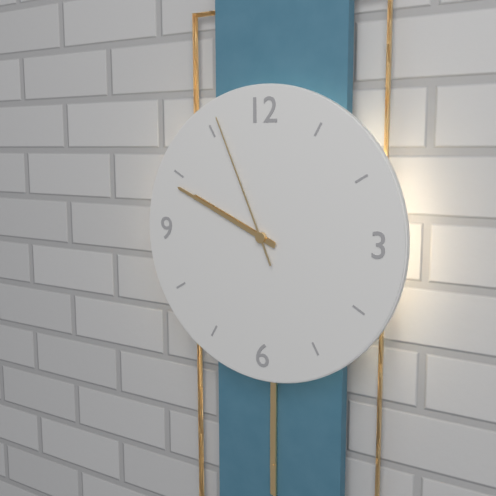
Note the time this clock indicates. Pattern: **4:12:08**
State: **9:49:56**
